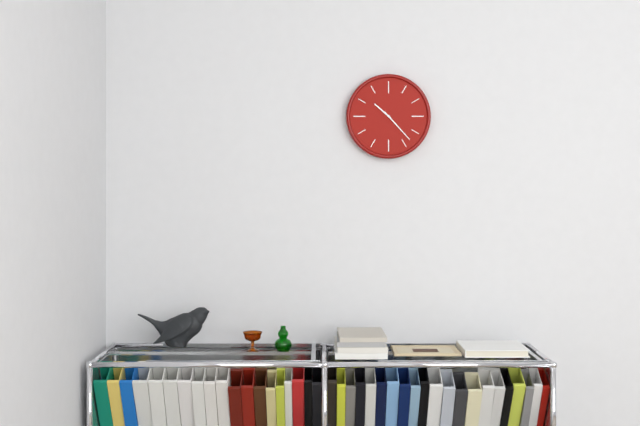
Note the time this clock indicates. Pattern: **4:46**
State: **10:23**
